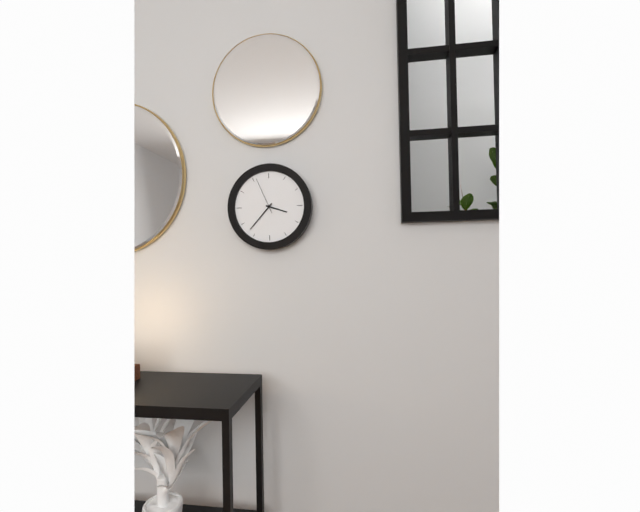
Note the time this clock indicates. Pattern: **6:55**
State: **3:37**
